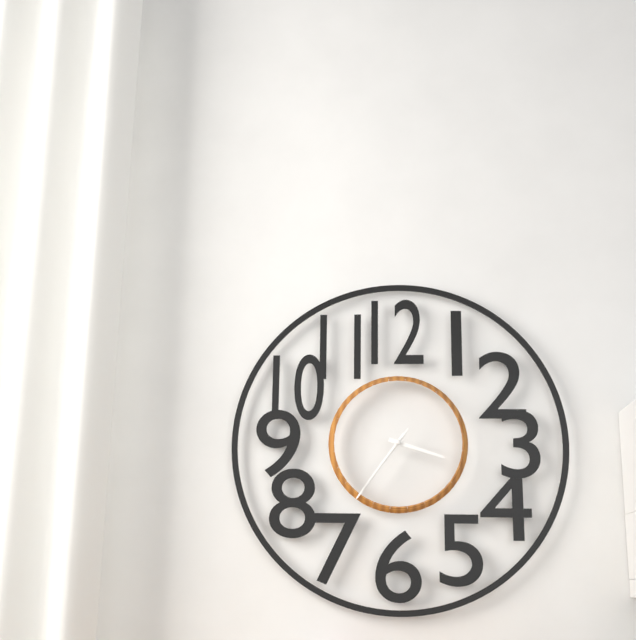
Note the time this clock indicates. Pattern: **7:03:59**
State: **3:36:36**
